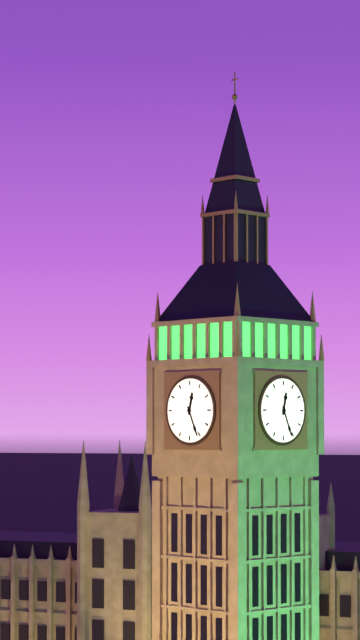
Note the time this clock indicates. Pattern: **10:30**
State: **12:26**
